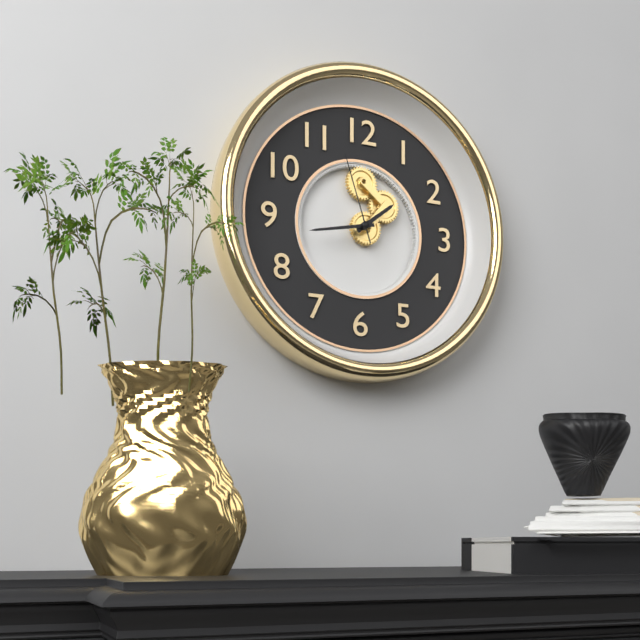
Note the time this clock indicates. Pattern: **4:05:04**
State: **1:43:57**
